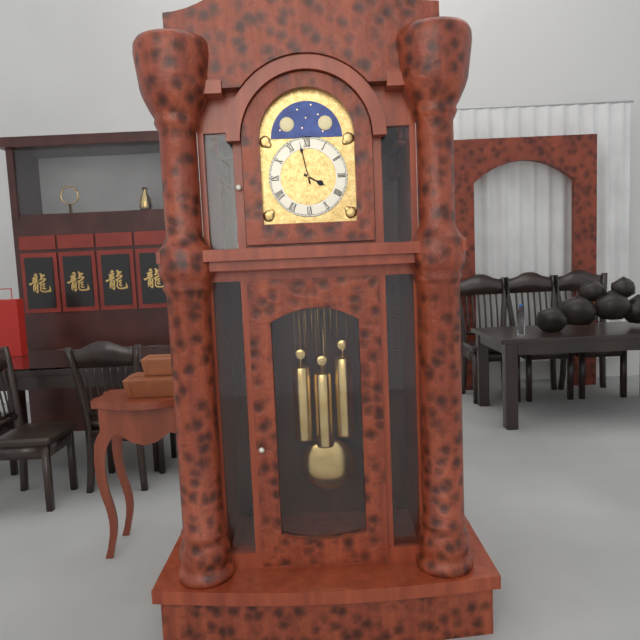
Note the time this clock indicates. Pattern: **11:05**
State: **3:58**
